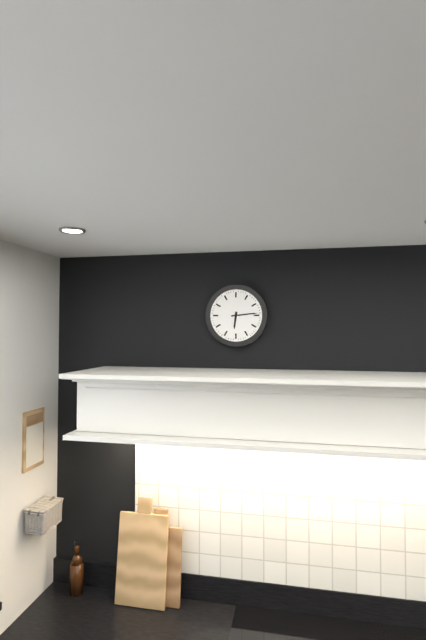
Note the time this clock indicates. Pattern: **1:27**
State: **6:14**
